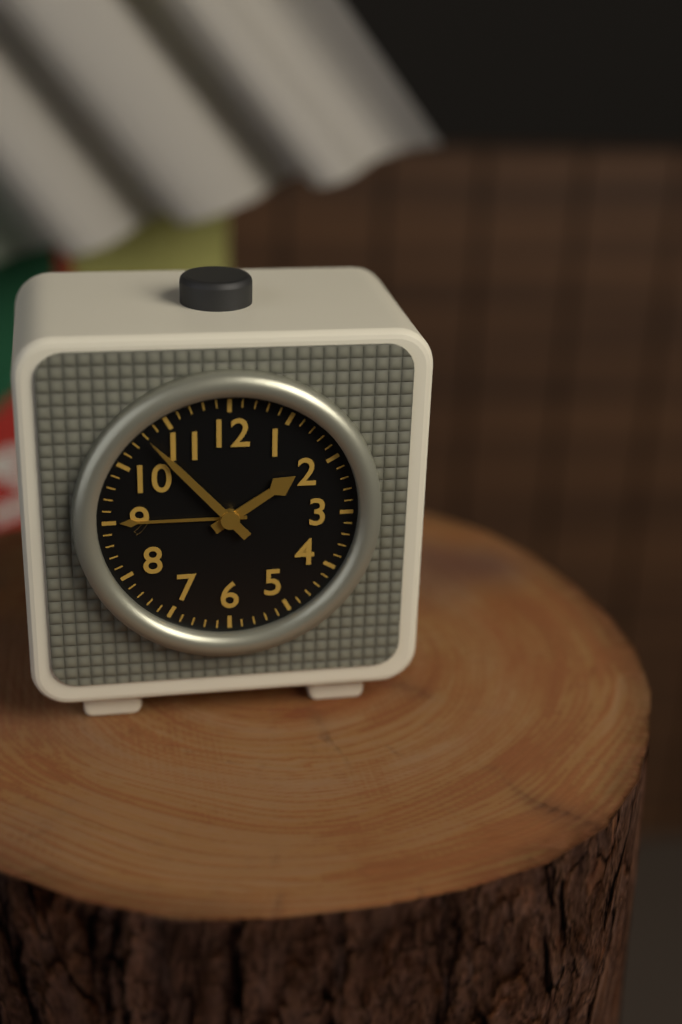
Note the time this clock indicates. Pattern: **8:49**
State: **1:53**
